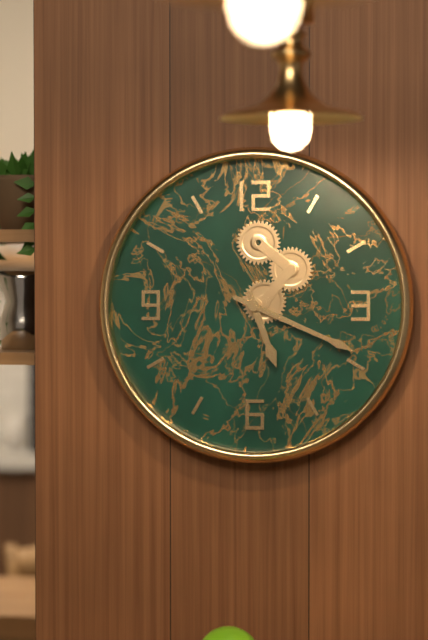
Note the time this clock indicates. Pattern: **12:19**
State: **5:19**
